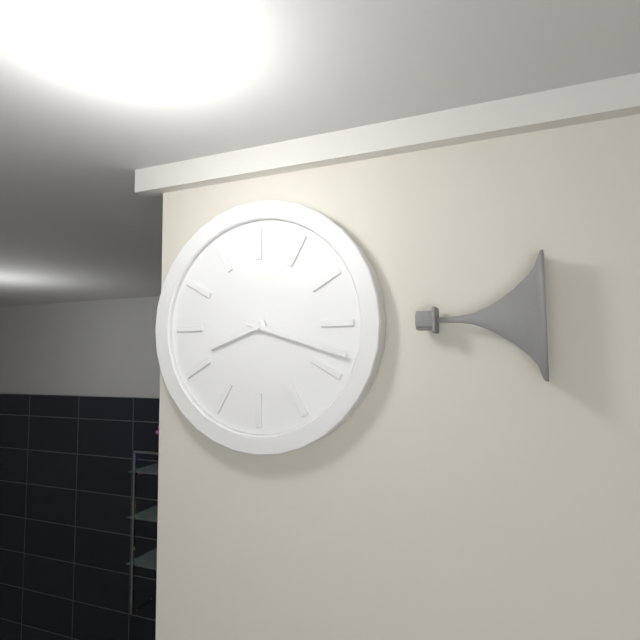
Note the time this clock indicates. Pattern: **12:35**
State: **8:18**
